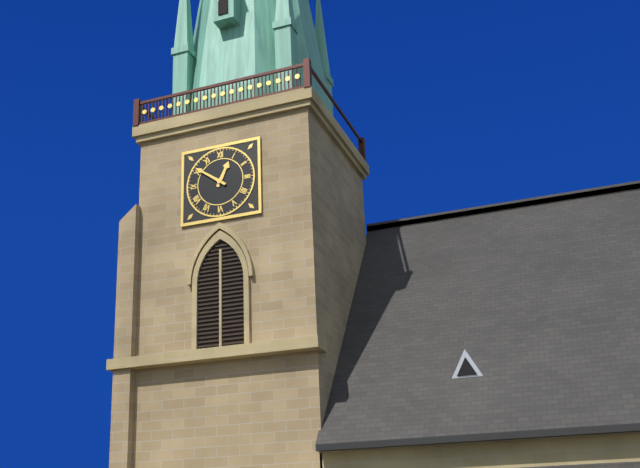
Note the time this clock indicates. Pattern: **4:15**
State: **12:51**
